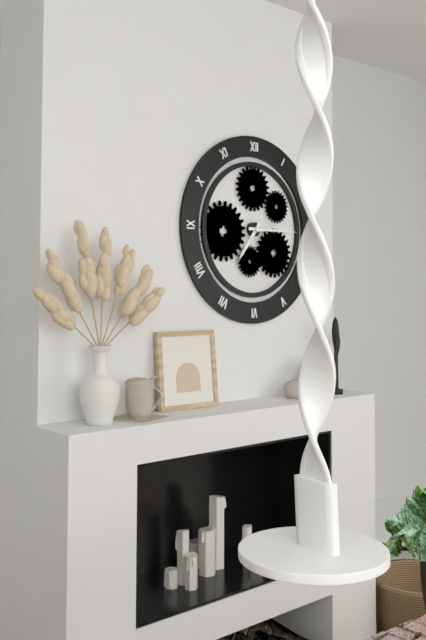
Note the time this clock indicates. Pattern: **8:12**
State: **7:15**
